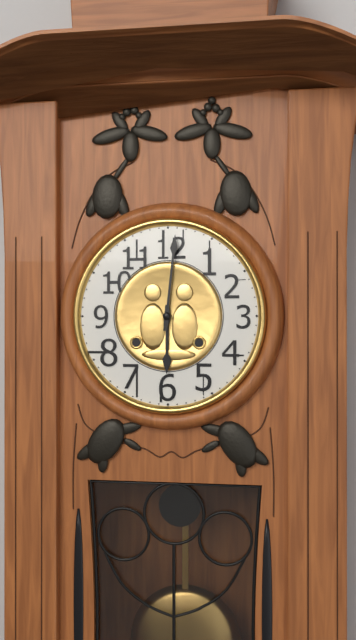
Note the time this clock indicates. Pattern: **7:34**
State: **6:01**
